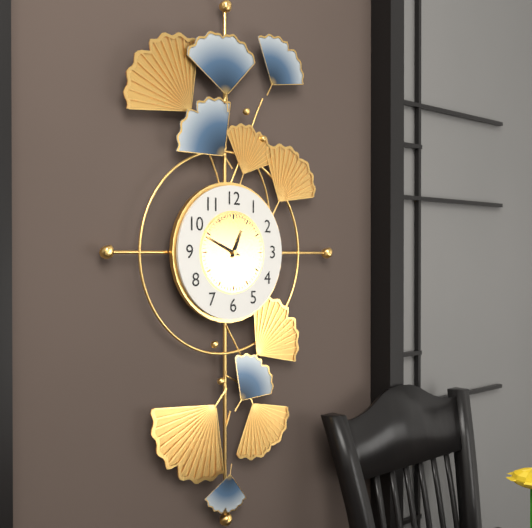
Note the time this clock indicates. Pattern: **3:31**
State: **12:49**
